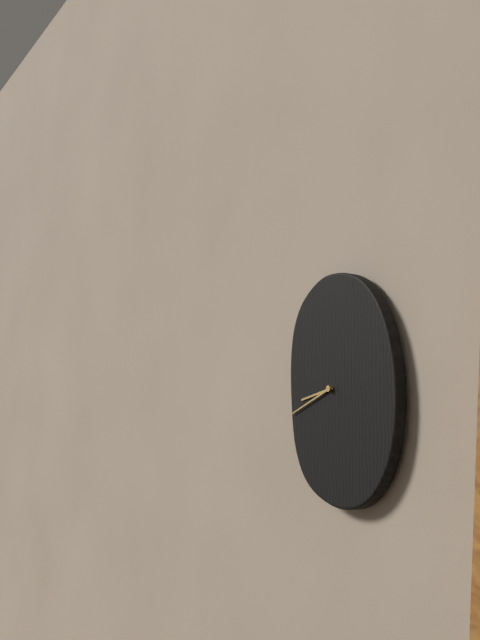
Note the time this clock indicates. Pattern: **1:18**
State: **8:42**
